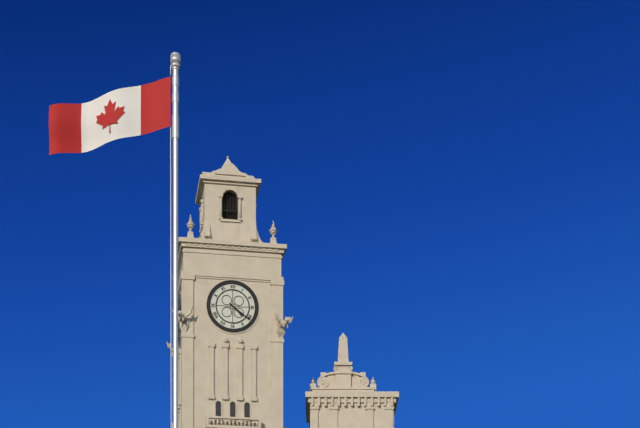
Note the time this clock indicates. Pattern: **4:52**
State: **4:21**
